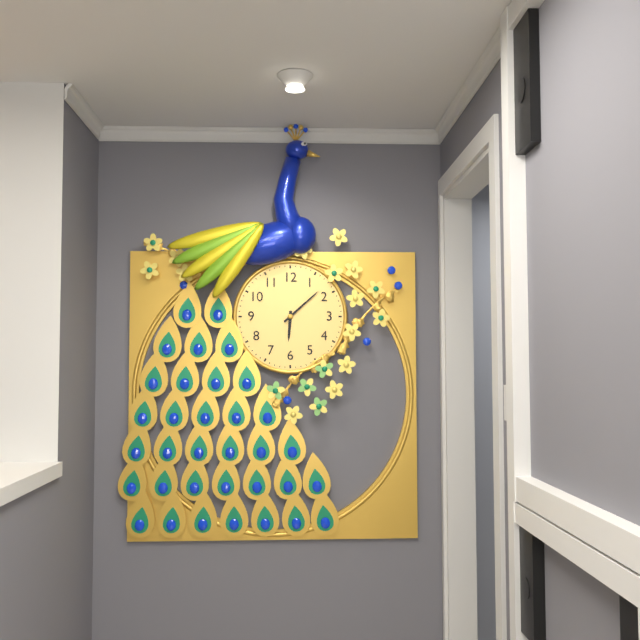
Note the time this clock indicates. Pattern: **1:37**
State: **6:08**
